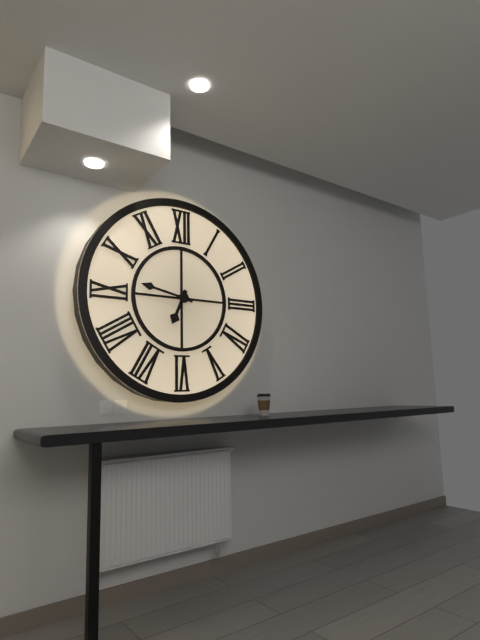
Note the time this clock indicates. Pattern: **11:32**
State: **6:47**
